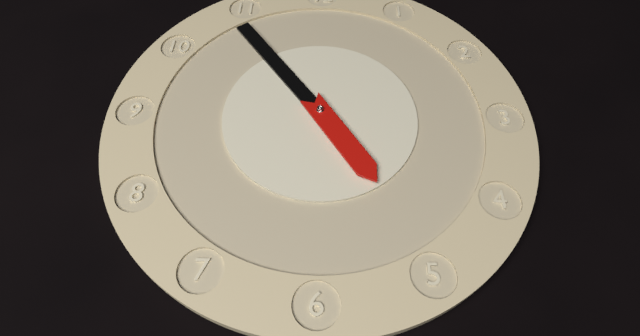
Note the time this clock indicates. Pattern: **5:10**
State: **4:54**
